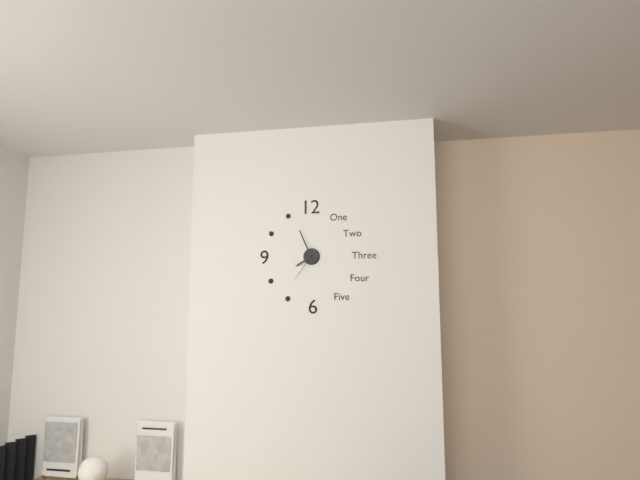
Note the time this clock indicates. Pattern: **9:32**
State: **7:56**
